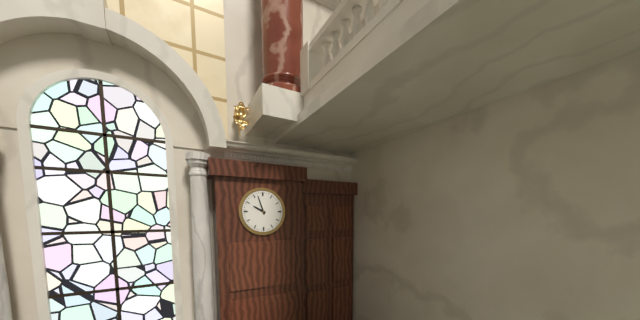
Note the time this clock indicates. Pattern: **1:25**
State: **9:57**
